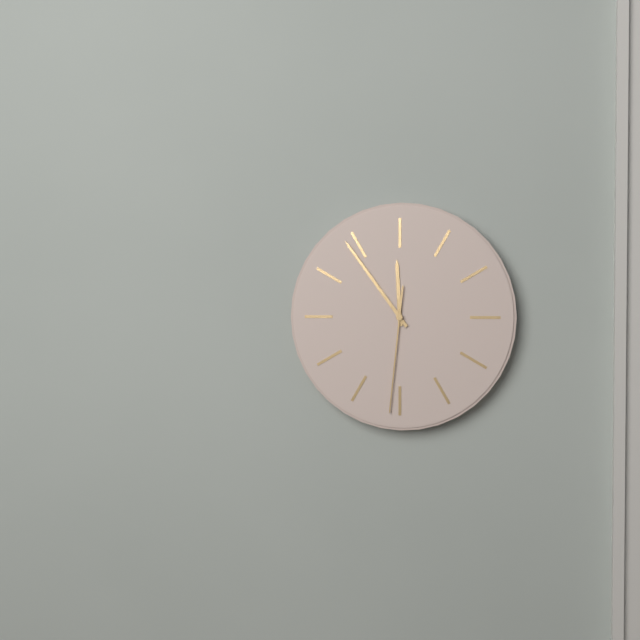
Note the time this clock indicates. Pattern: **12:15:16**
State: **11:54:31**
